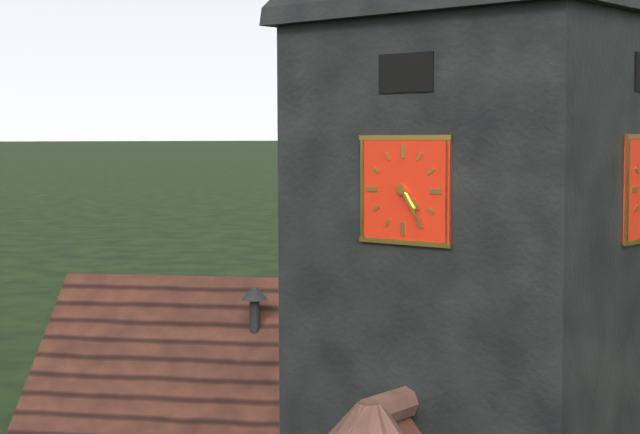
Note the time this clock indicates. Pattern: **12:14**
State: **4:24**
